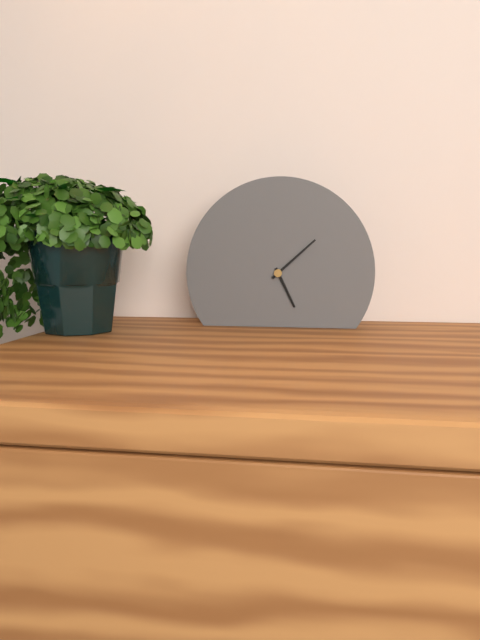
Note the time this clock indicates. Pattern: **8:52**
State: **5:08**
